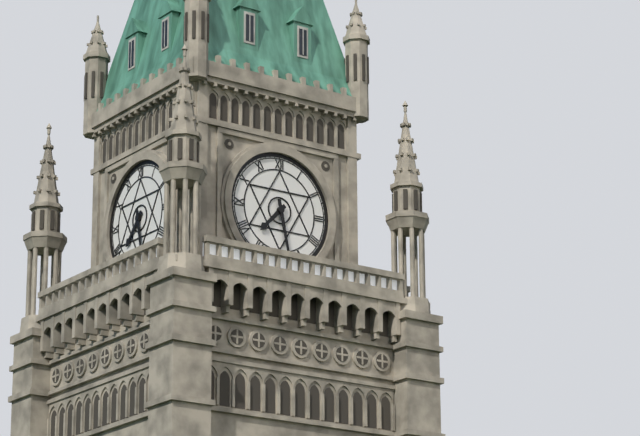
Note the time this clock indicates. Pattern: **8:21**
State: **7:28**
